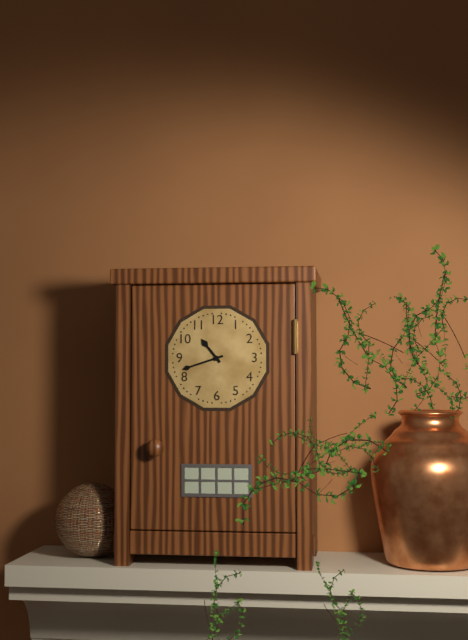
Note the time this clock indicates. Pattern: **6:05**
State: **10:42**
